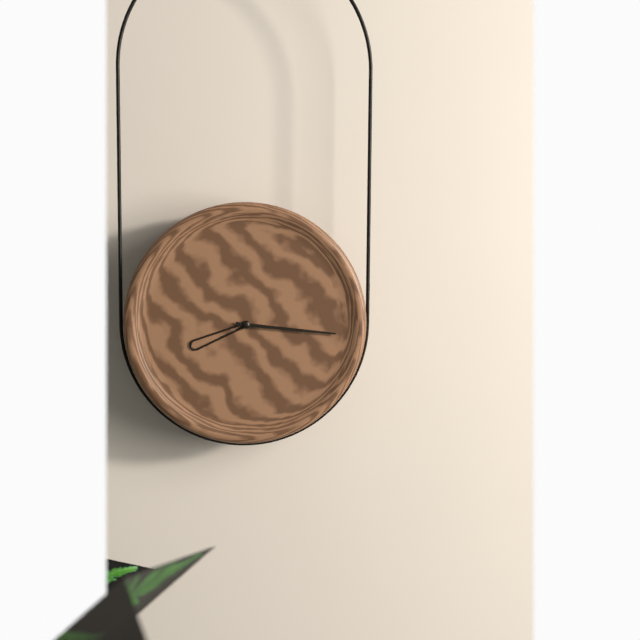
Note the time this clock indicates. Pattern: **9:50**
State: **8:16**
